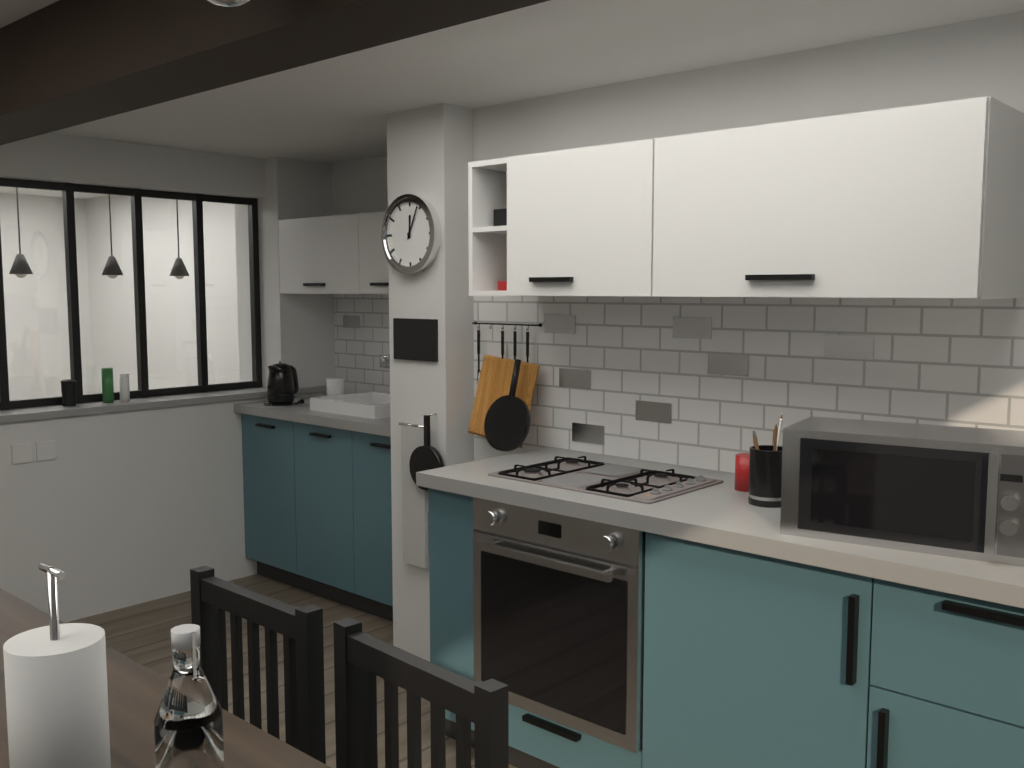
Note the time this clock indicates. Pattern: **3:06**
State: **12:04**
